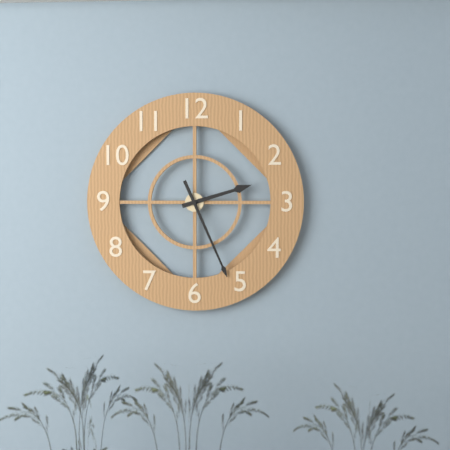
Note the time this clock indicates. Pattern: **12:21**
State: **2:26**
